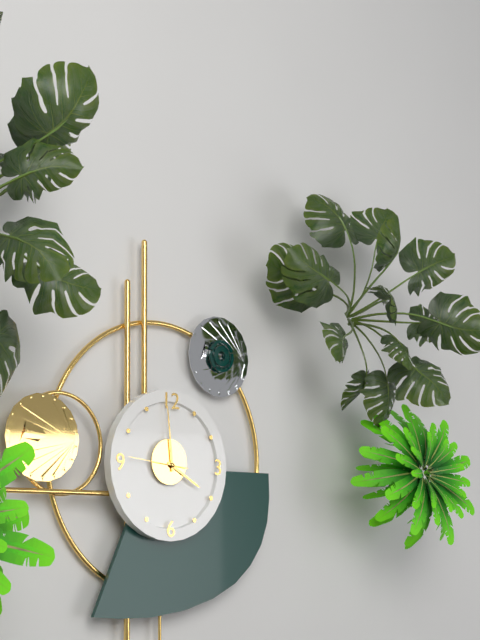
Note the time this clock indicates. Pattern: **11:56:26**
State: **3:59:46**
